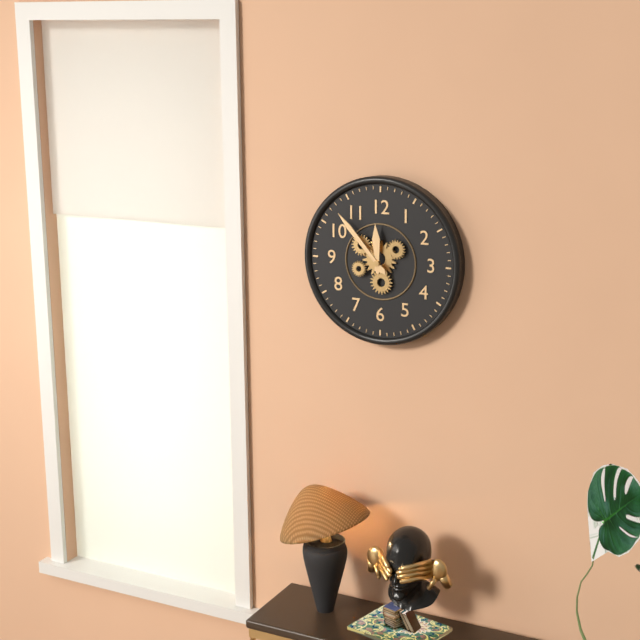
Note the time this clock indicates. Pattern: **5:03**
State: **11:53**
